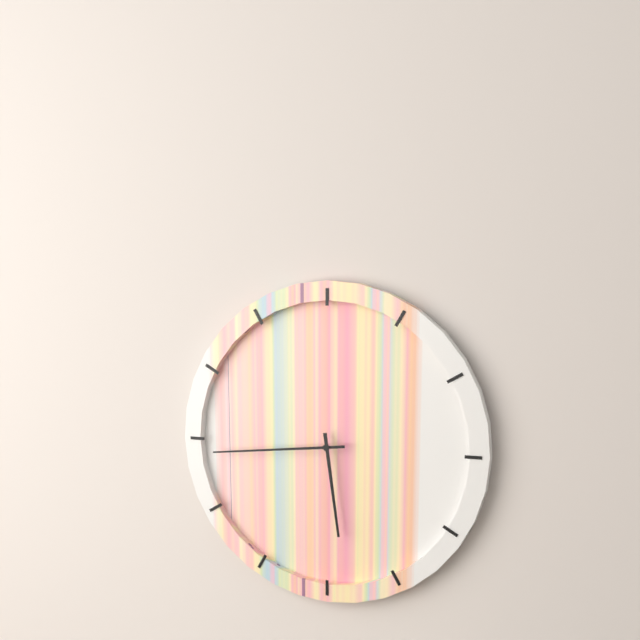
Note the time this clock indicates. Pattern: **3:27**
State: **5:44**
